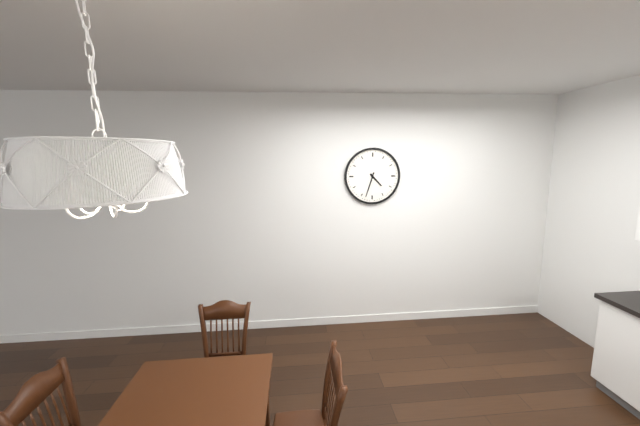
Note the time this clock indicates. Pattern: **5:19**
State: **4:33**
